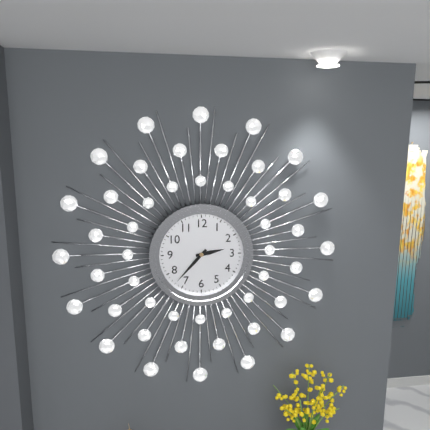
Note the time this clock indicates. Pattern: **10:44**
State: **2:37**
